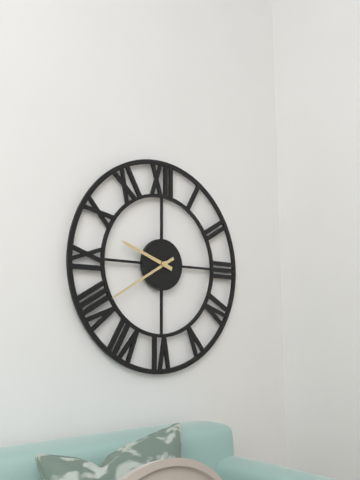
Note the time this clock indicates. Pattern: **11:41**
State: **9:40**
